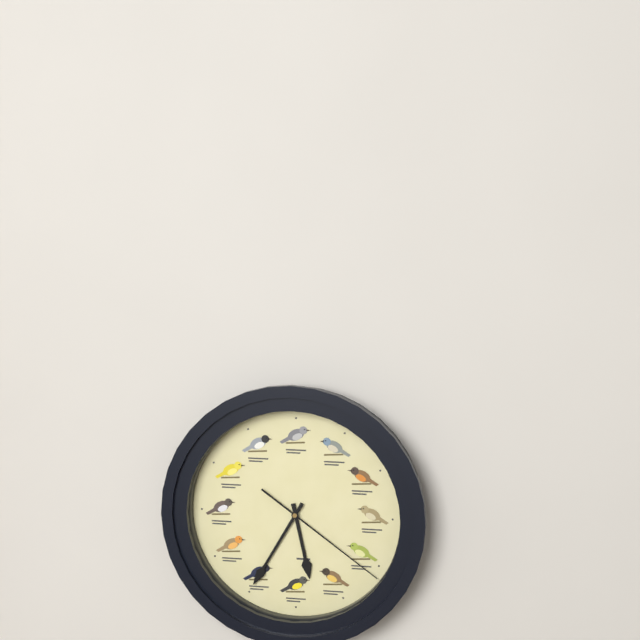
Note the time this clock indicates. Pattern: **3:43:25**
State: **5:35:21**
